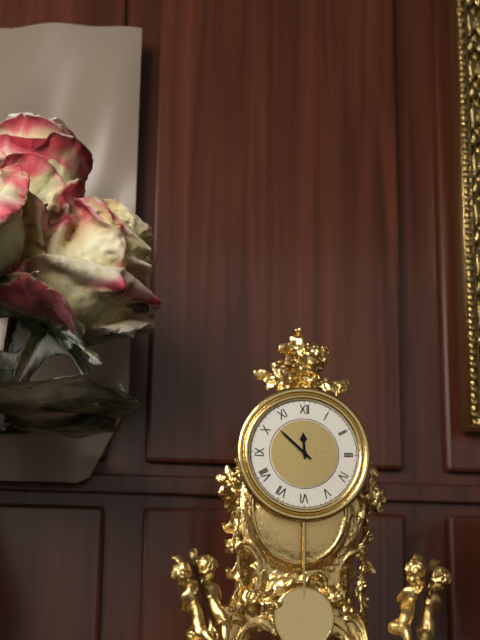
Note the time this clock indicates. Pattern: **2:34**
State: **11:52**
